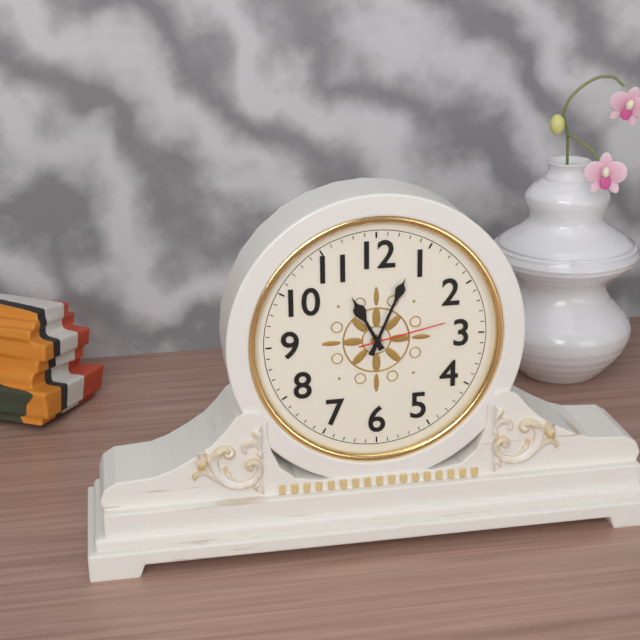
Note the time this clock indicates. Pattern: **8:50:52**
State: **11:04:13**
